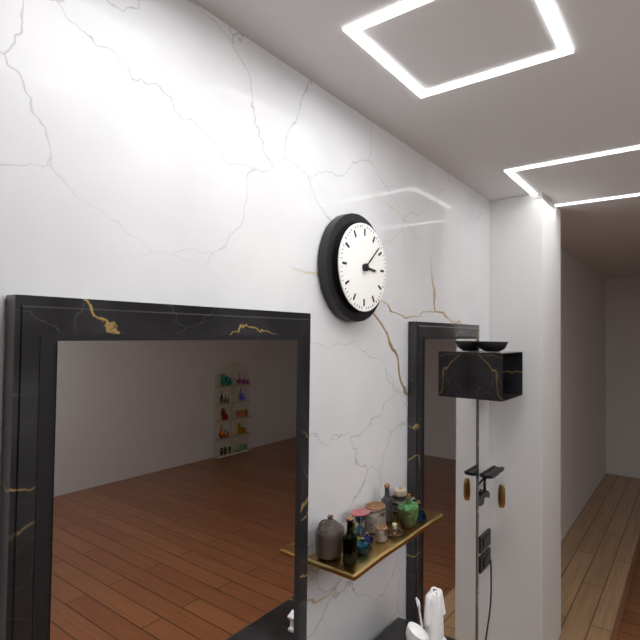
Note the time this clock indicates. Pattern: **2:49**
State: **3:08**
